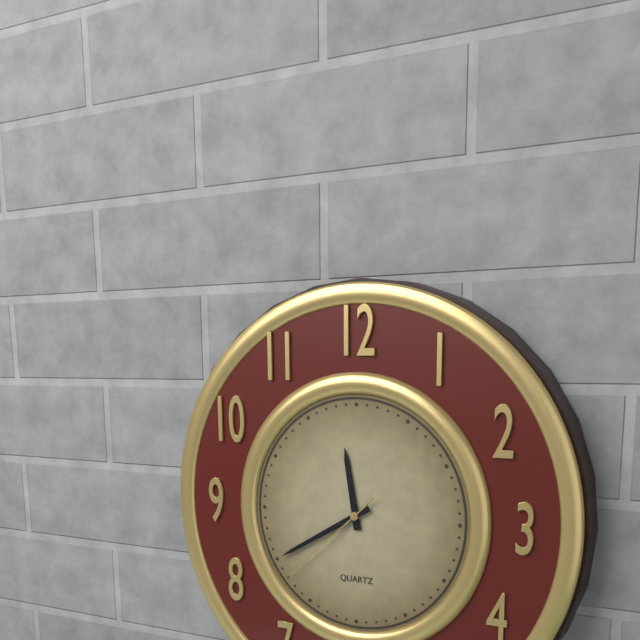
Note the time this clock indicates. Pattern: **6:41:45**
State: **11:40:38**
